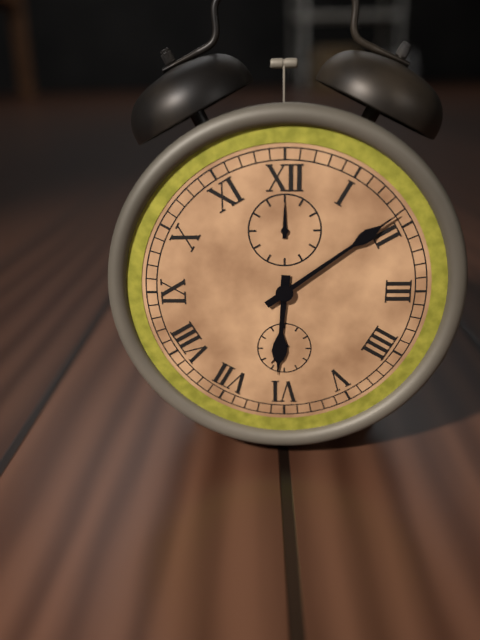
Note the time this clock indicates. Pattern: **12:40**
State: **6:09**
